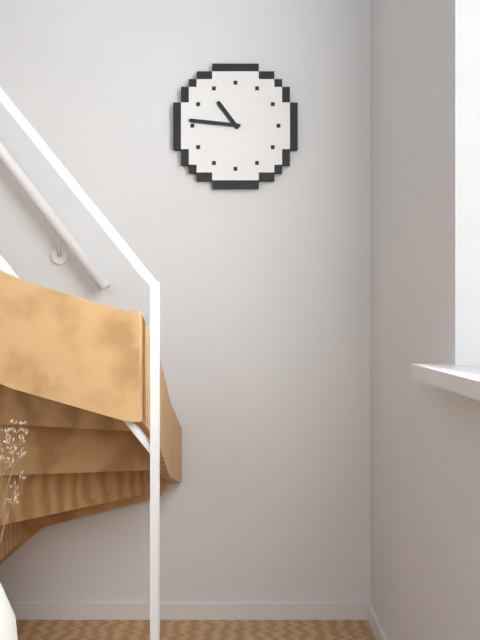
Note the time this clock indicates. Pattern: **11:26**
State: **10:46**
